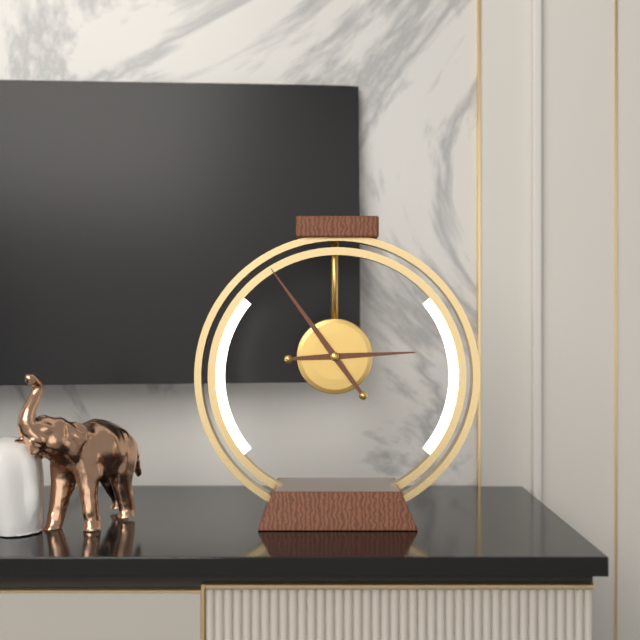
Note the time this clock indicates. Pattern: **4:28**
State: **2:54**
